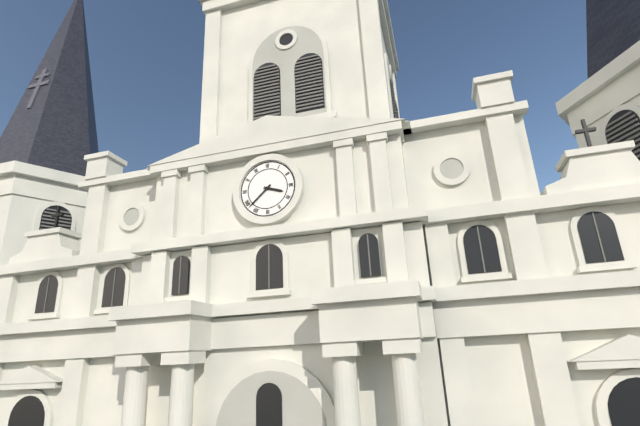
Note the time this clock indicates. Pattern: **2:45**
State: **3:38**
